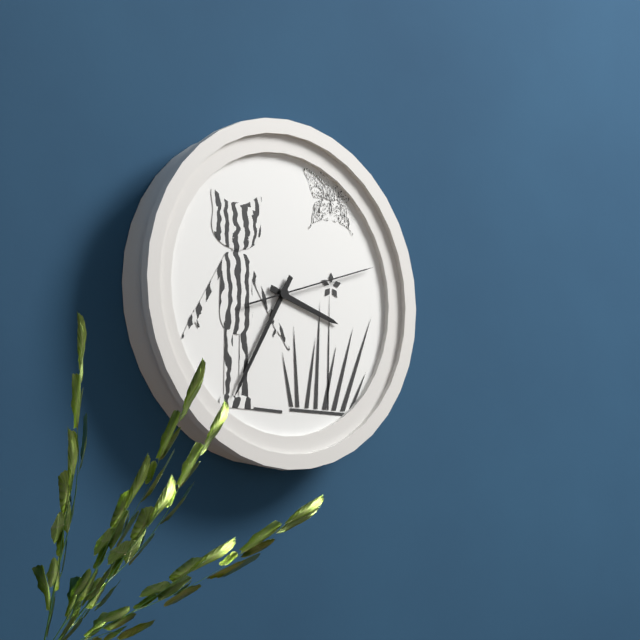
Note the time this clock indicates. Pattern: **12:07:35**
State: **3:35:12**
